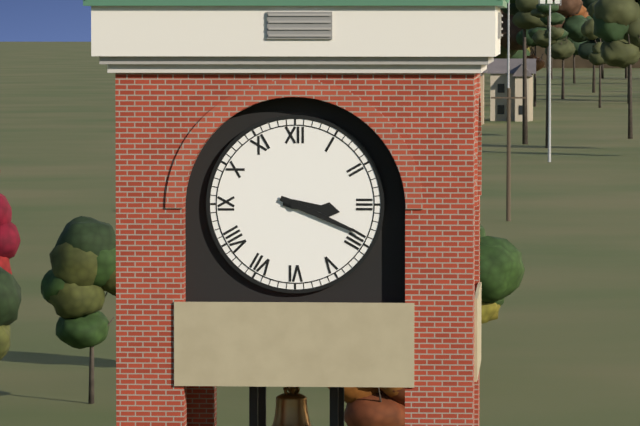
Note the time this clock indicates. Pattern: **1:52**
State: **3:19**
